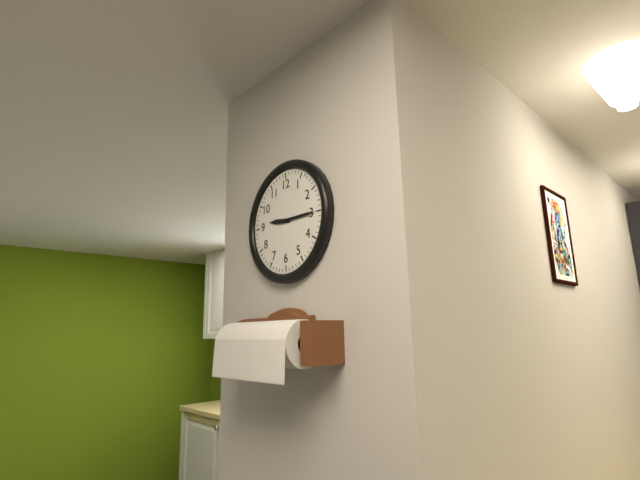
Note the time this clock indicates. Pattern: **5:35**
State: **9:15**
